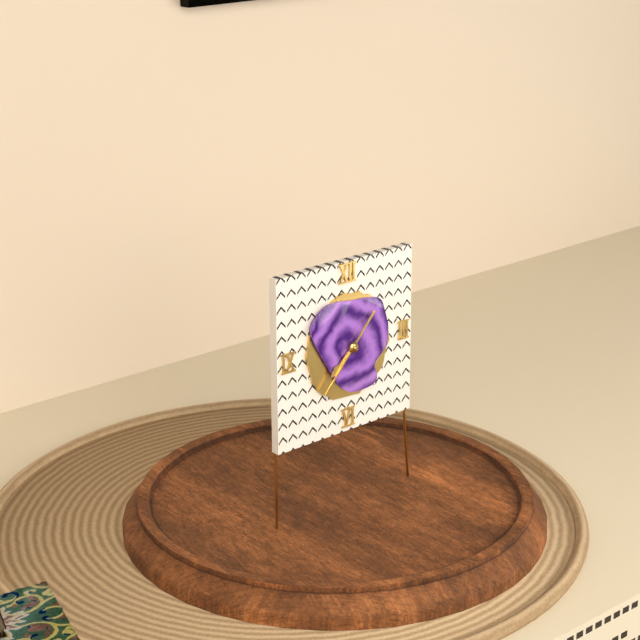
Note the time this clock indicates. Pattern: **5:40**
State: **7:37**
